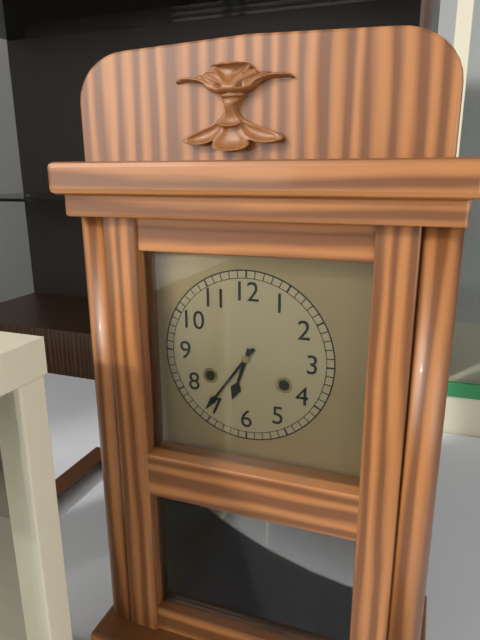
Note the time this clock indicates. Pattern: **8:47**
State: **6:36**
